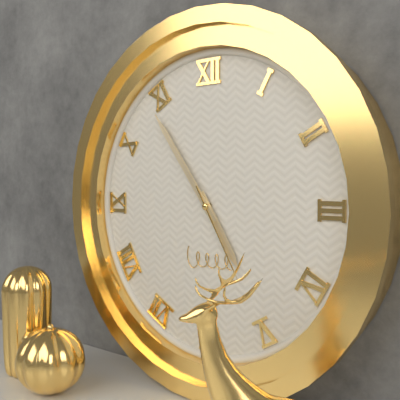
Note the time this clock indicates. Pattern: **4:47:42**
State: **4:54:25**
